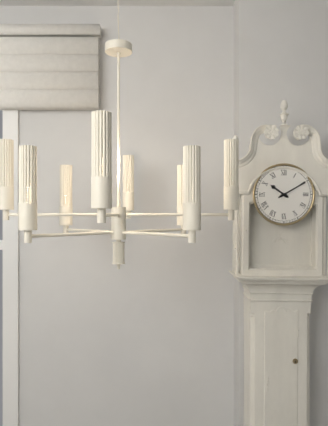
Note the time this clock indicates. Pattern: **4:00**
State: **10:10**
